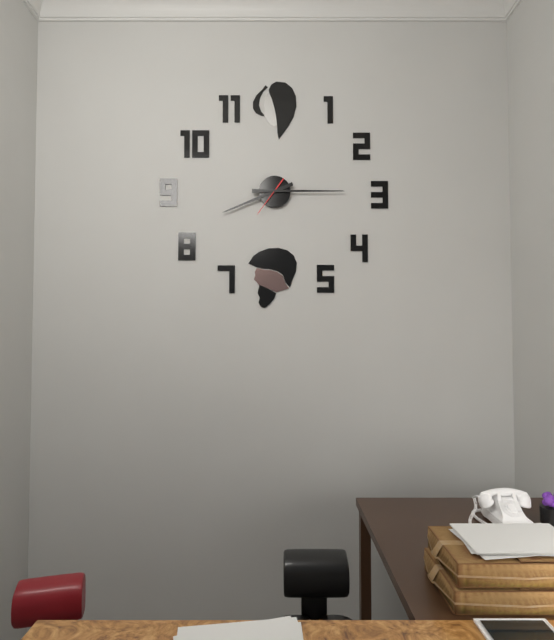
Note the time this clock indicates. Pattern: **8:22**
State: **8:15**
